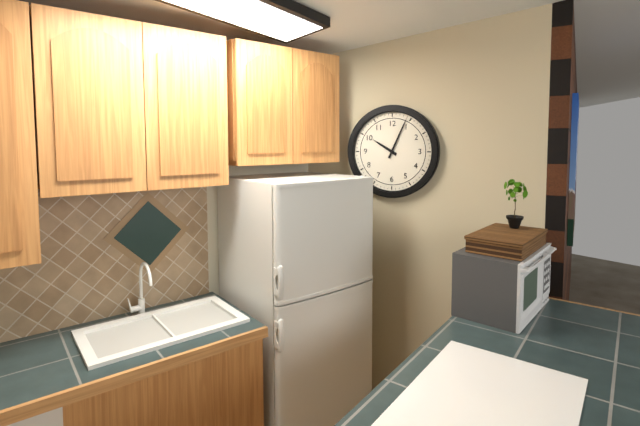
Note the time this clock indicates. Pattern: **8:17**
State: **10:04**
